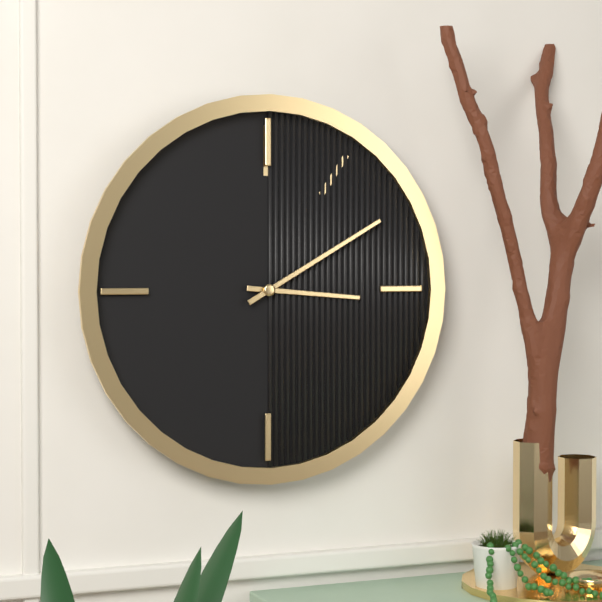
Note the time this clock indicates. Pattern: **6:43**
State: **3:10**
